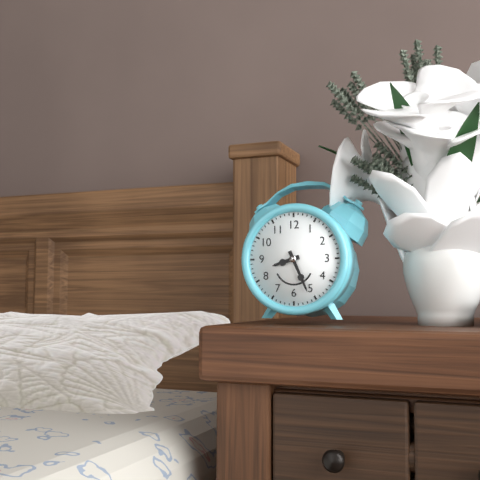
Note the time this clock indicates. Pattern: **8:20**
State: **8:26**
